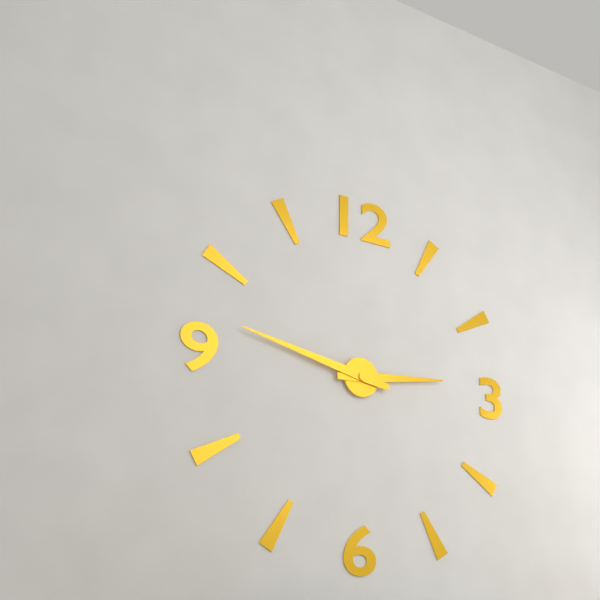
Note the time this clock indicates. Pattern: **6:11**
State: **2:47**
